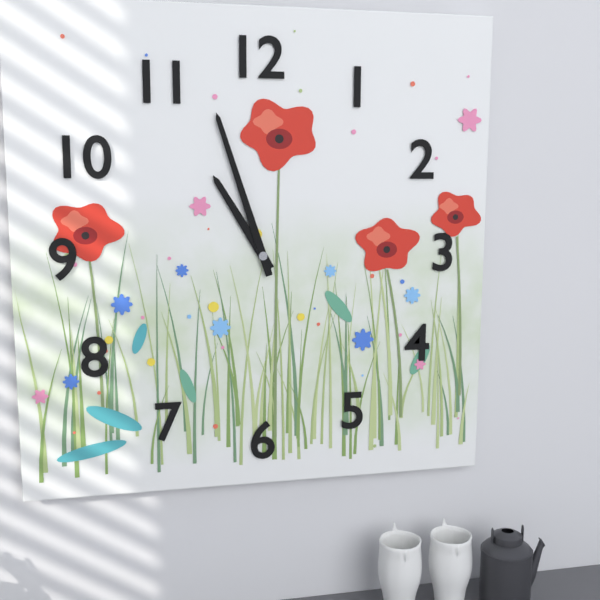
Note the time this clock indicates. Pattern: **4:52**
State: **10:57**
